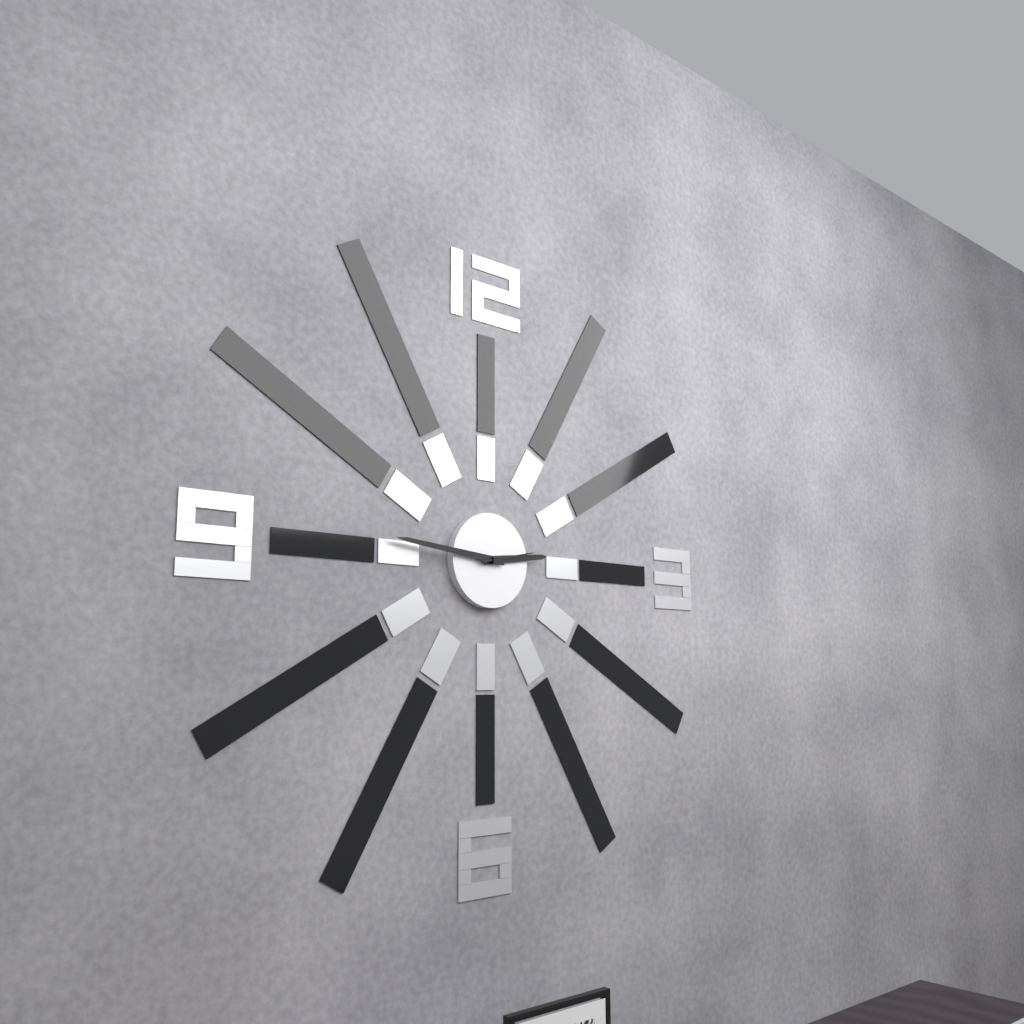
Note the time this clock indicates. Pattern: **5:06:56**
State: **2:46:13**
